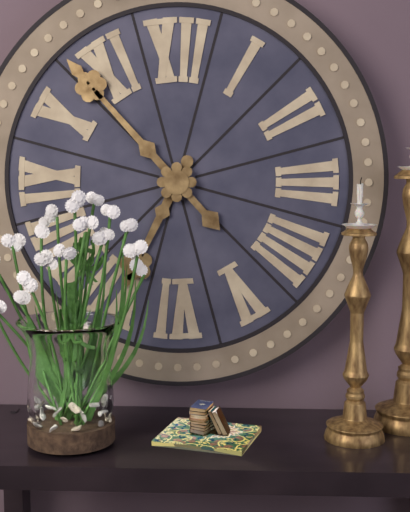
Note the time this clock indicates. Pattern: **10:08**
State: **6:53**
